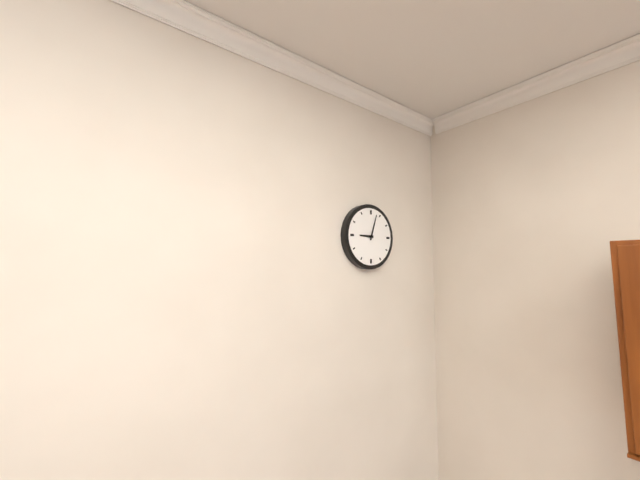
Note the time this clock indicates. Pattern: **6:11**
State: **9:03**
